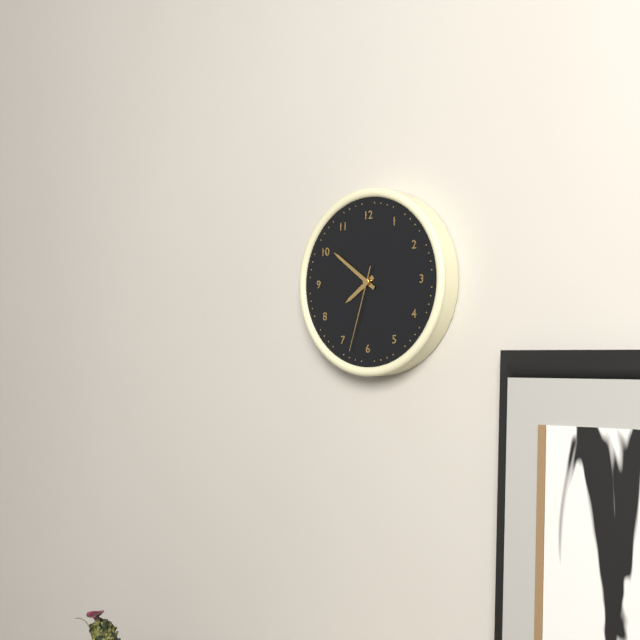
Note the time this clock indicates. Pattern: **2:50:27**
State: **7:51:33**
